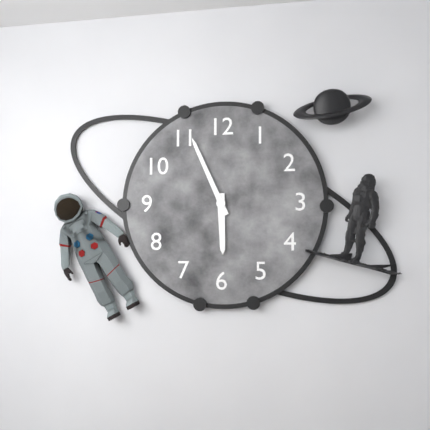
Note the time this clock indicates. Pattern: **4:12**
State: **5:56**
